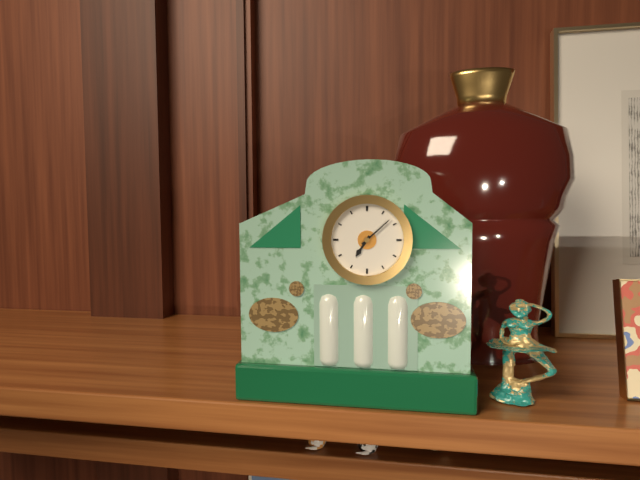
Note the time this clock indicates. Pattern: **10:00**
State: **7:08**
